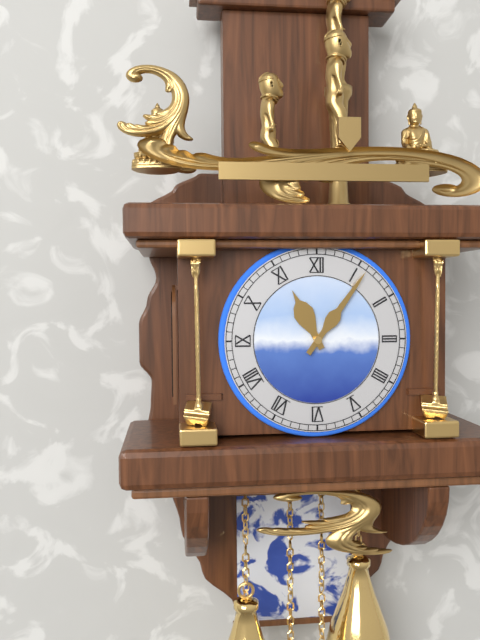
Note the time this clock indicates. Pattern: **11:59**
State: **11:06**
